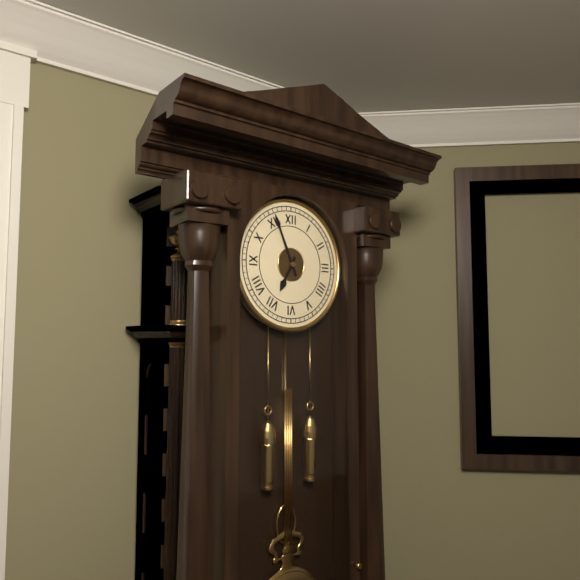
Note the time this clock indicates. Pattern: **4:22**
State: **6:56**
